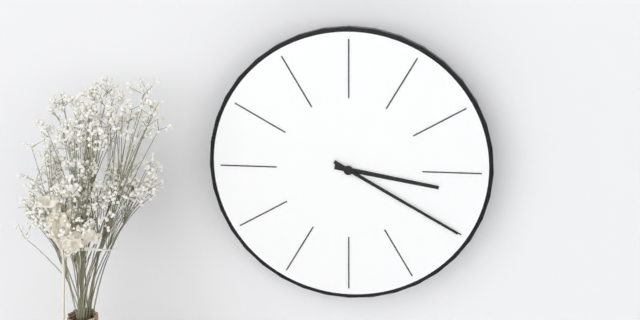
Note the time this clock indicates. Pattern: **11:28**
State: **3:20**
